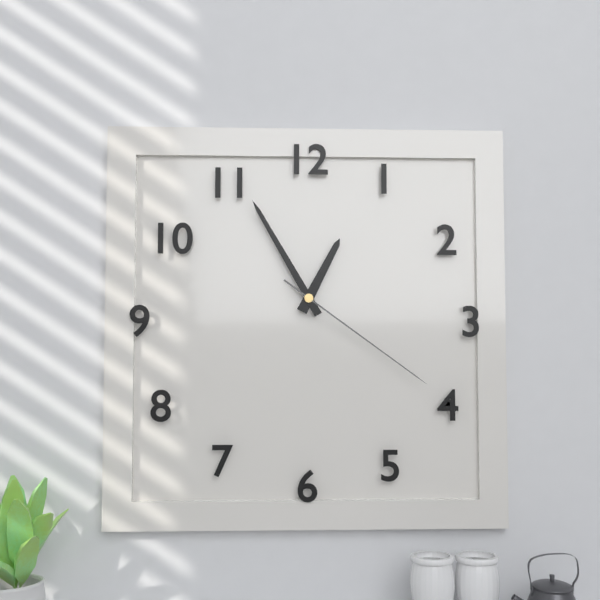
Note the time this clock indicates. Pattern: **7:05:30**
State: **12:55:21**
